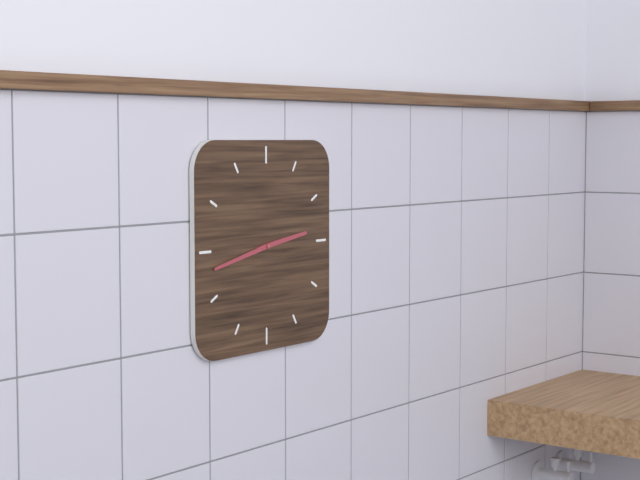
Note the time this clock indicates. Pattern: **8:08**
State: **2:43**
